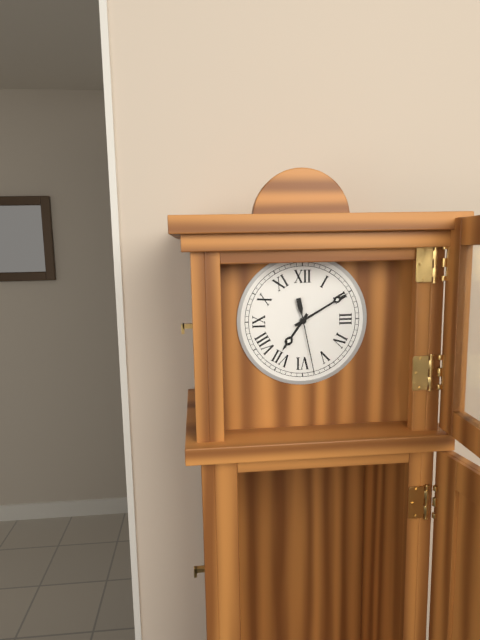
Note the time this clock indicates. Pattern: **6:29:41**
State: **7:10:28**
